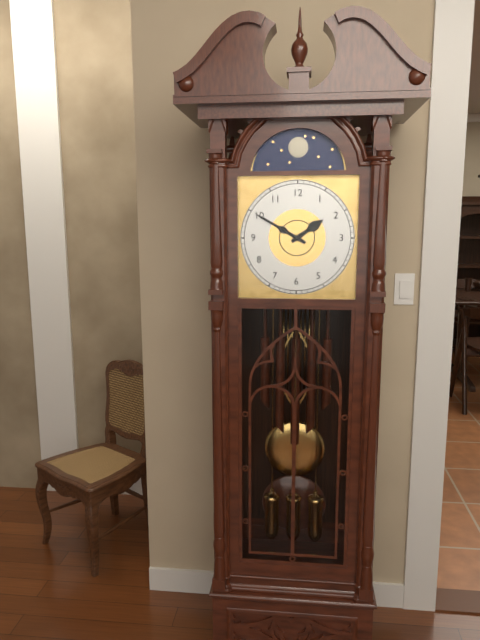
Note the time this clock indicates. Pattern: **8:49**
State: **1:50**
